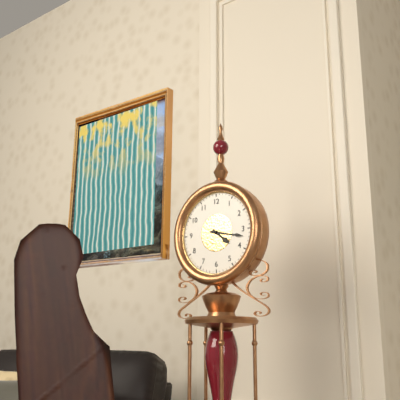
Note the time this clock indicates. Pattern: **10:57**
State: **4:17**
